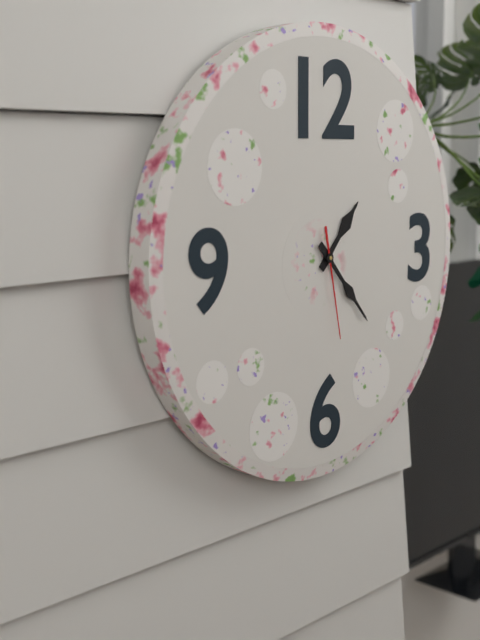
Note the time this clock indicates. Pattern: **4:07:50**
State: **1:23:28**
